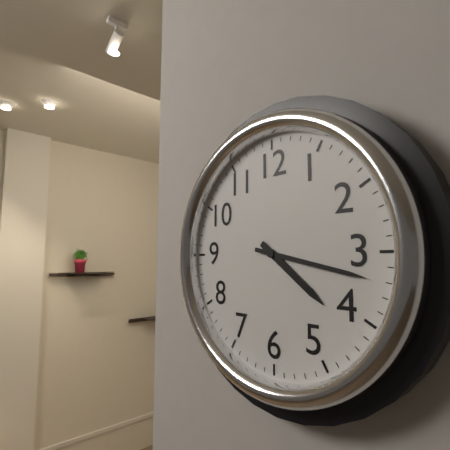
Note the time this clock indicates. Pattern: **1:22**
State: **4:17**
